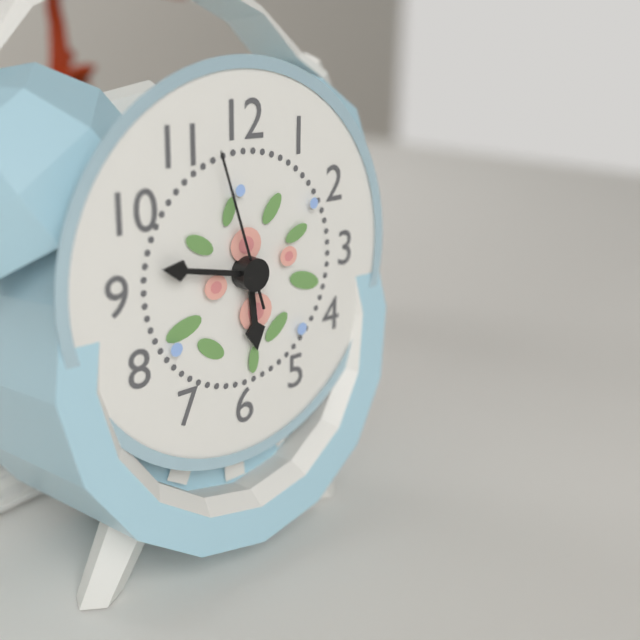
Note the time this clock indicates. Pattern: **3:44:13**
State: **5:47:57**
